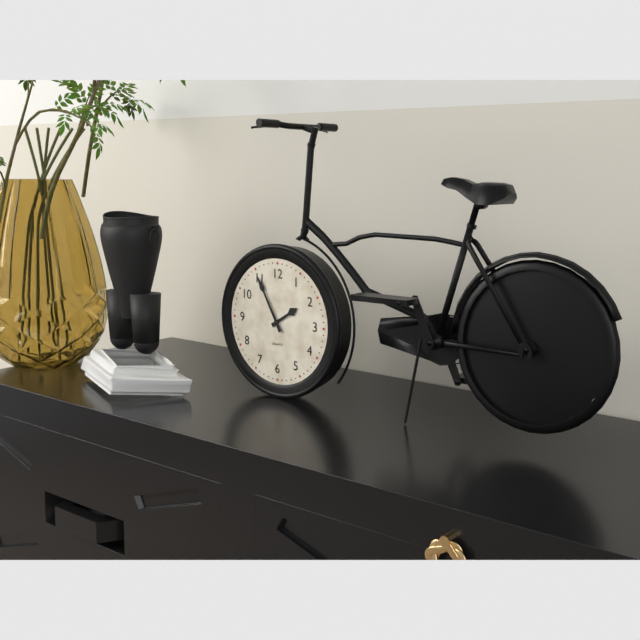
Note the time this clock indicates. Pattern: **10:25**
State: **1:55**
